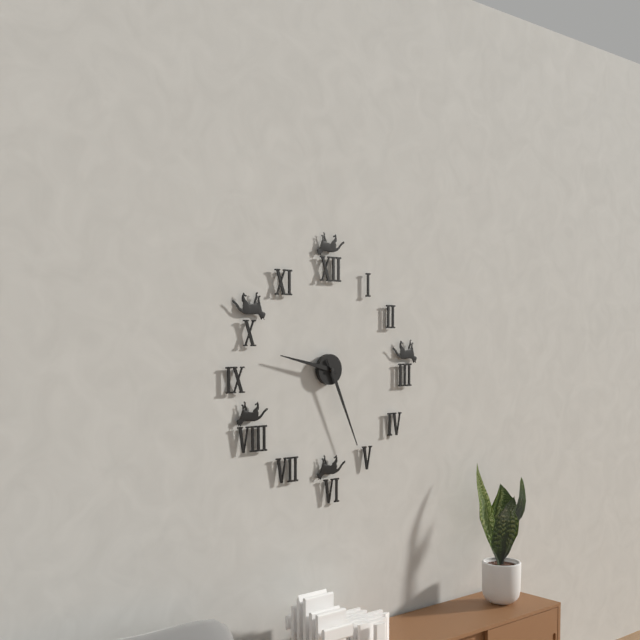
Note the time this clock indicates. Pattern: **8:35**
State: **9:26**
